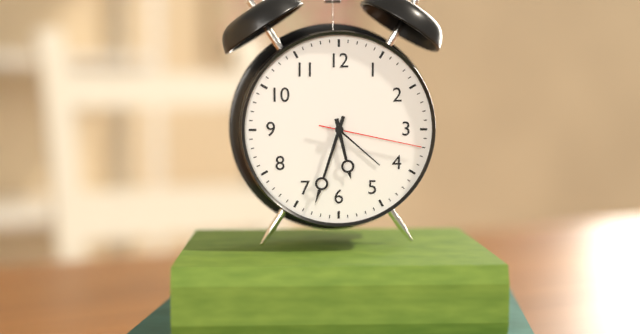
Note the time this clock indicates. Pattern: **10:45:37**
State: **5:33:17**
